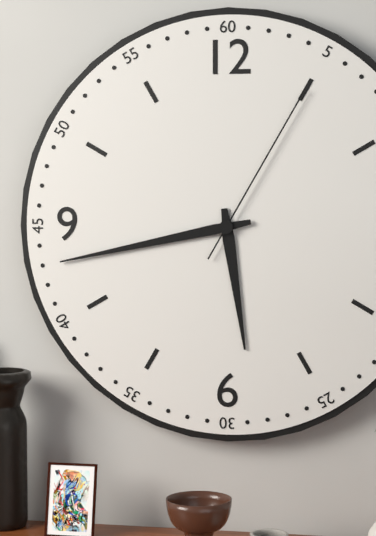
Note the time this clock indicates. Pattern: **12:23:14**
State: **5:43:05**
